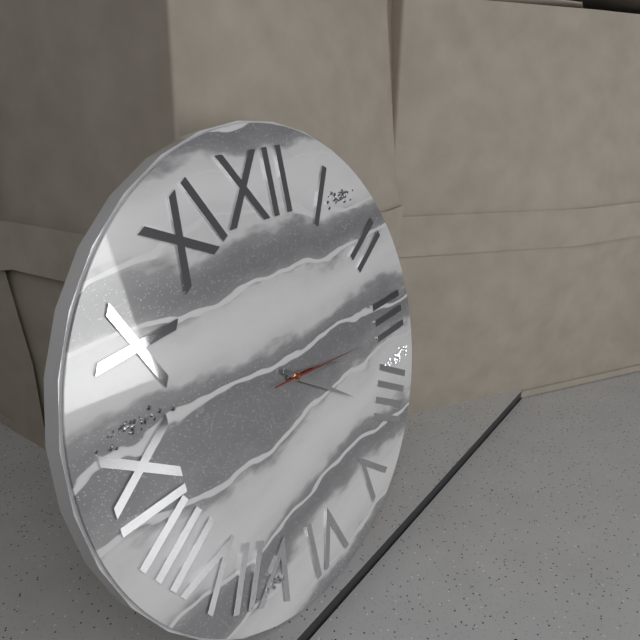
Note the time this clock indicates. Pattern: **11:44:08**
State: **3:21:16**
